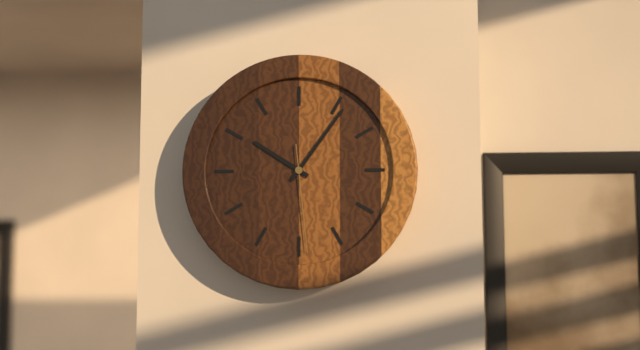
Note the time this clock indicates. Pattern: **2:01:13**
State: **10:06:29**
